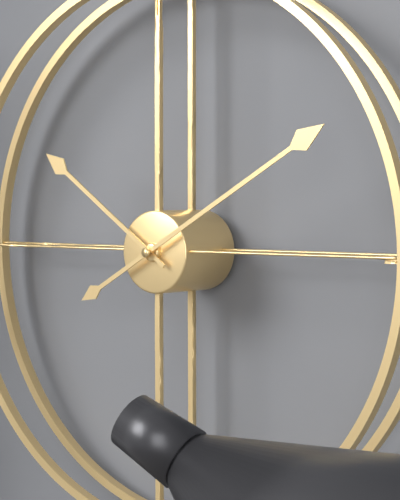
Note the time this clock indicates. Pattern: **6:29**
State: **10:10**
